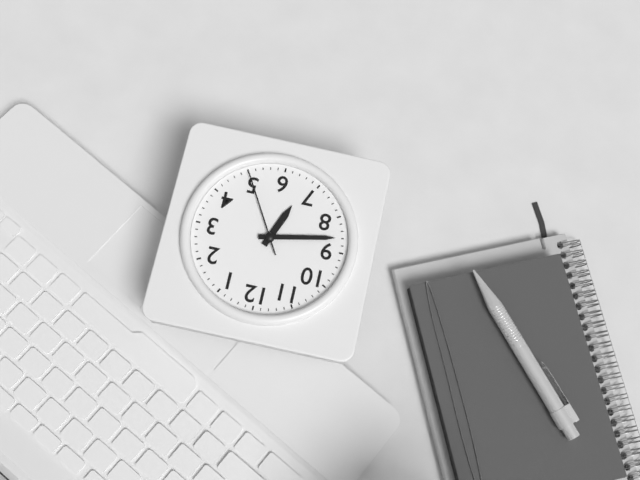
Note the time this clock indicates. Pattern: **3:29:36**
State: **6:43:25**
